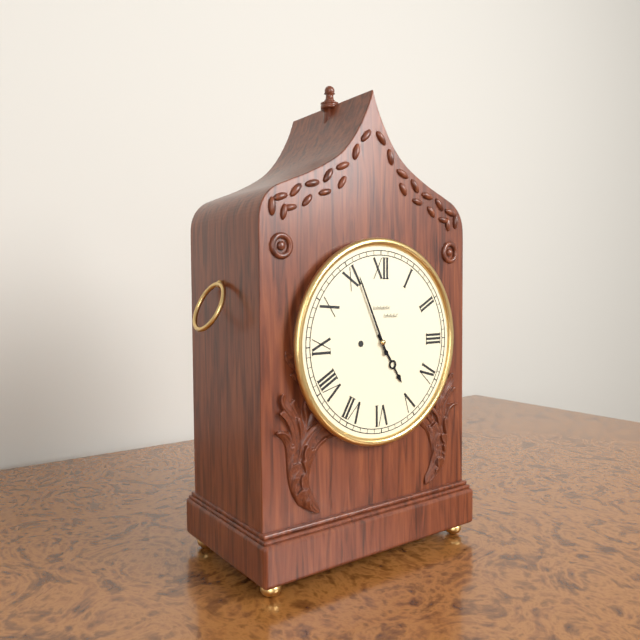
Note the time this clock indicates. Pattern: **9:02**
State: **4:56**
